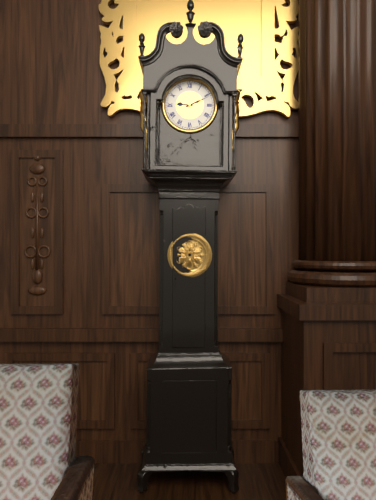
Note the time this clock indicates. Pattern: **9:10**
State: **9:11**
